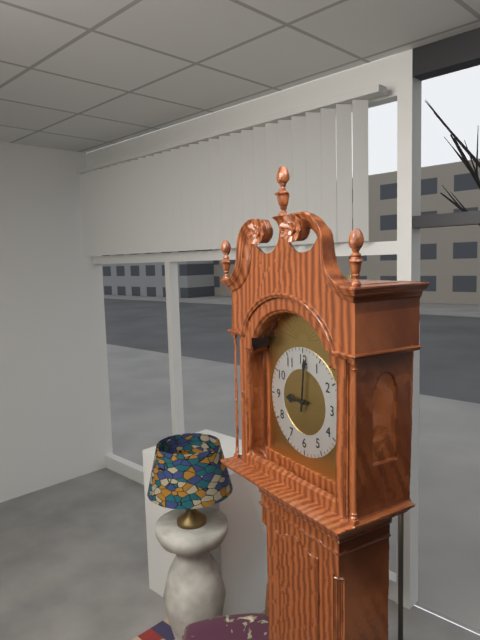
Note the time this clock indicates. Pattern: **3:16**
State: **9:01**
